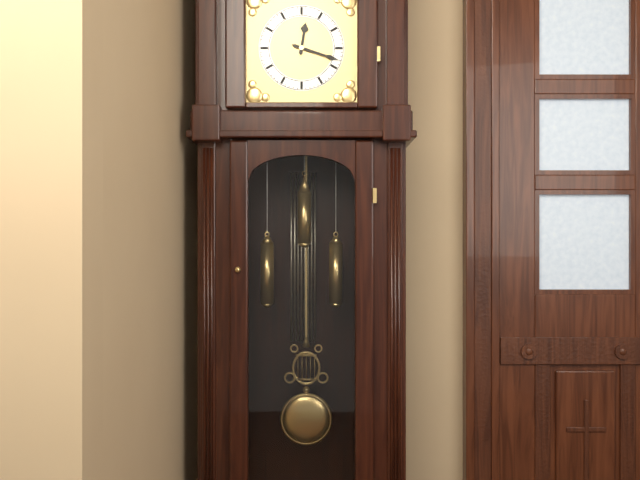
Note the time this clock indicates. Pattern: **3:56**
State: **12:18**
